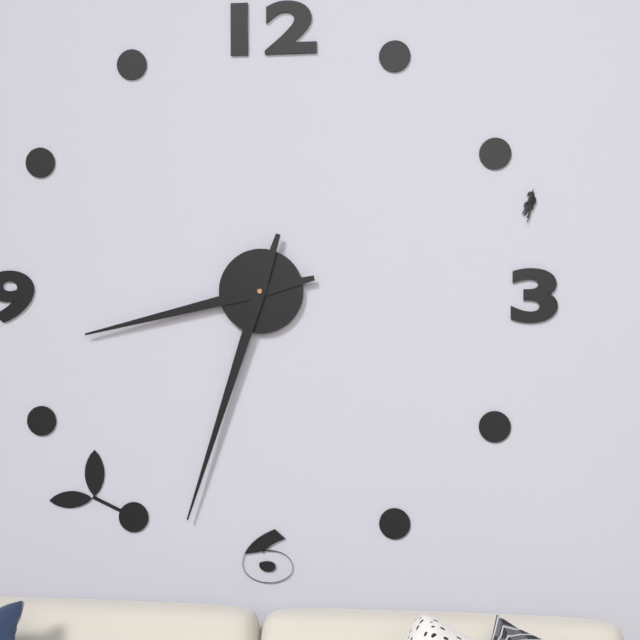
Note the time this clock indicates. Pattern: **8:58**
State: **8:33**
